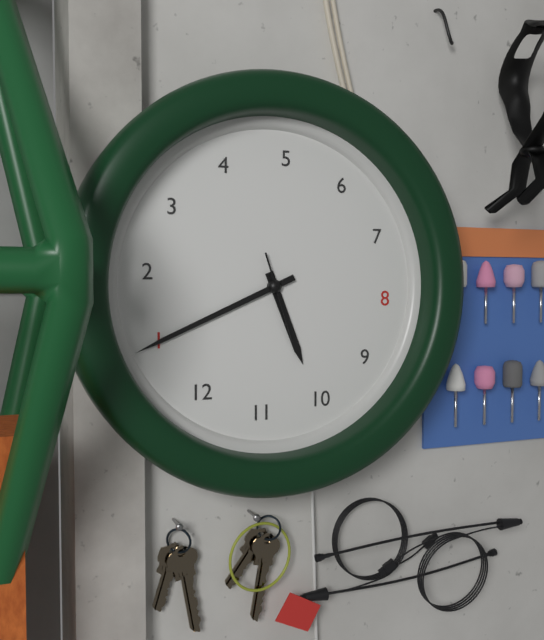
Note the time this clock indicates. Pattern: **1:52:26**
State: **10:05:51**
